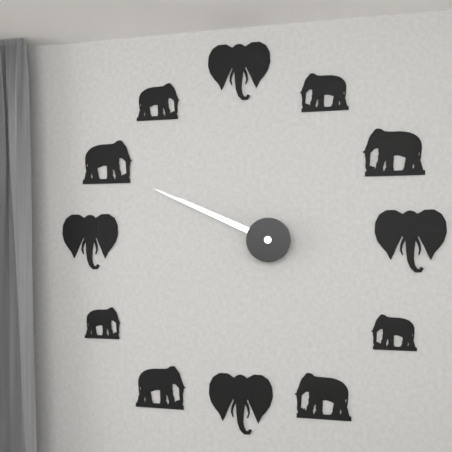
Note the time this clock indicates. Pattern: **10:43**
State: **9:49**
